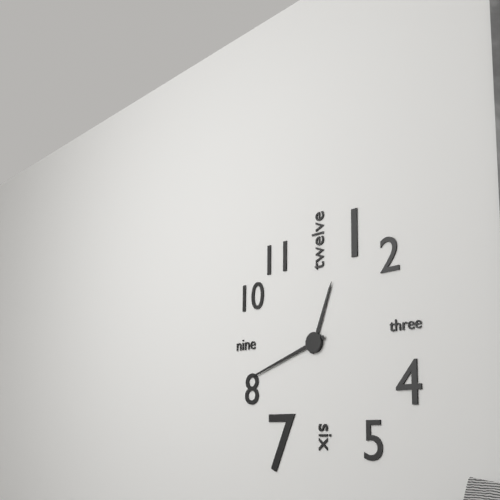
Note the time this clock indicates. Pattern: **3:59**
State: **12:42**
